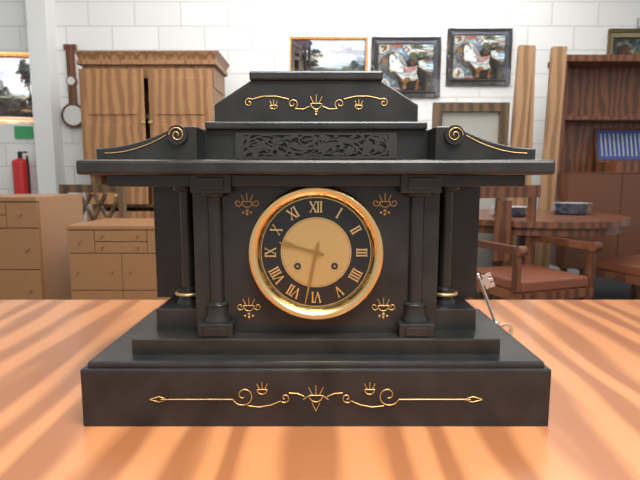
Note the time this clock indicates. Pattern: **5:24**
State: **9:32**
